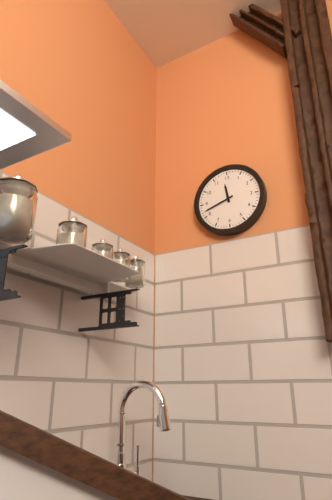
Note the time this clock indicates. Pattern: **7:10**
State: **11:42**
